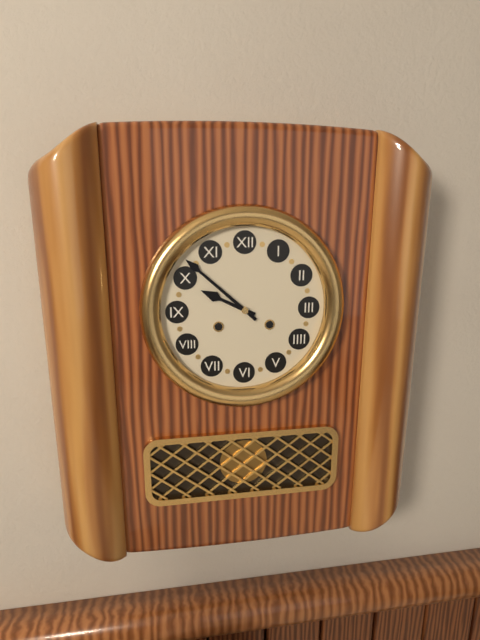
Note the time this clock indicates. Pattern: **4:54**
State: **9:52**
